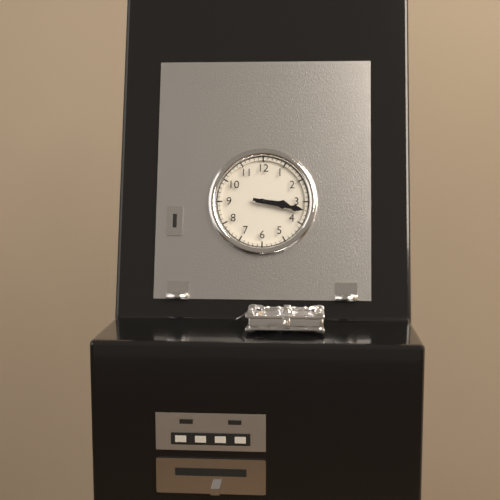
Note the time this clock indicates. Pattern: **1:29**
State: **3:17**
